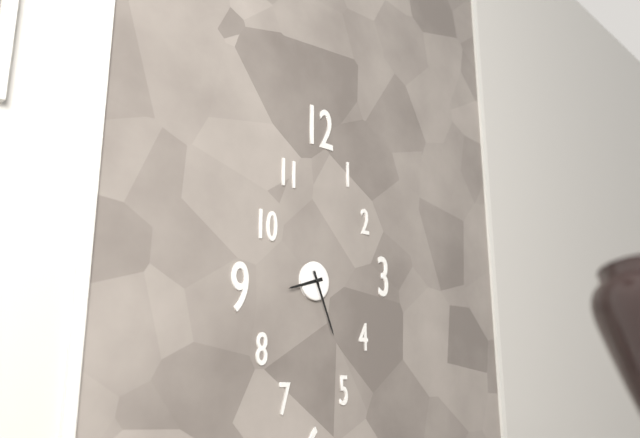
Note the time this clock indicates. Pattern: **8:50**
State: **8:26**
